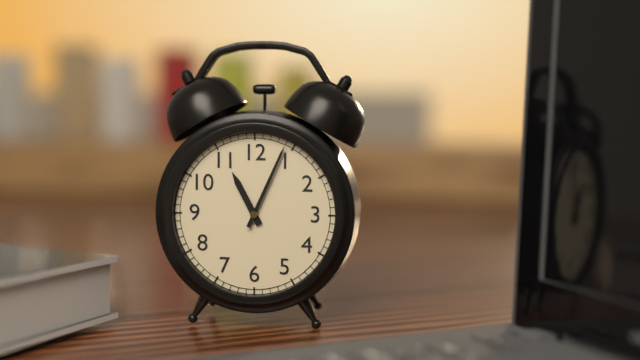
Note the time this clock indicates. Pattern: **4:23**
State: **11:04**
